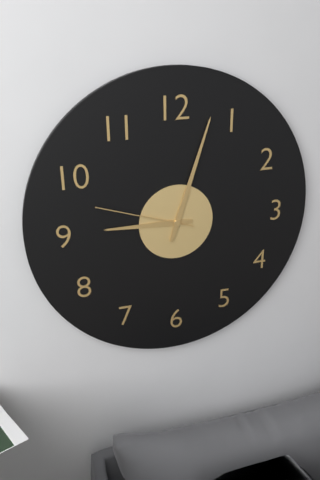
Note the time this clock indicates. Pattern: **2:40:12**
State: **9:03:48**
